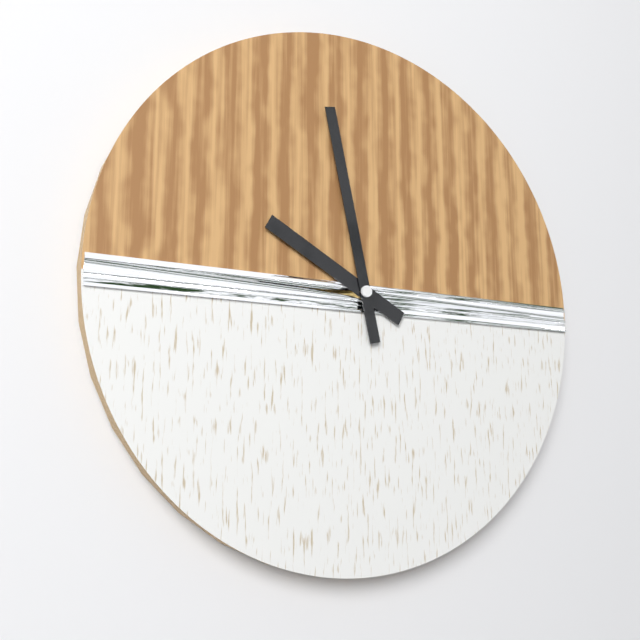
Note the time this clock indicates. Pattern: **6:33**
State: **9:58**
